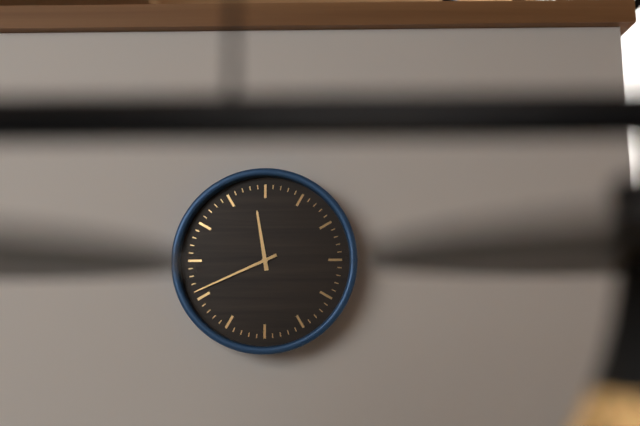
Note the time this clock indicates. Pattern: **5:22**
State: **11:41**
